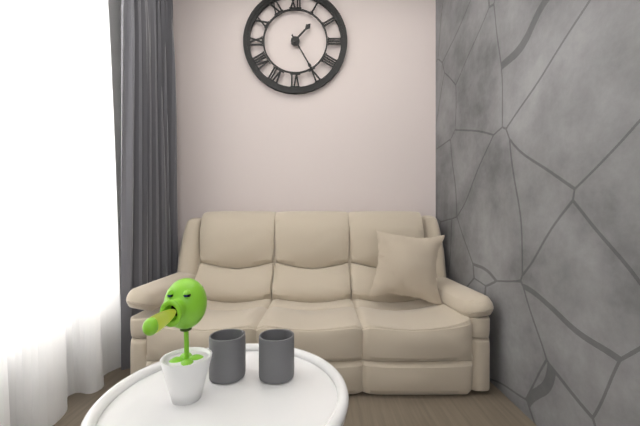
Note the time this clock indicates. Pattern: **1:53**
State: **1:25**
